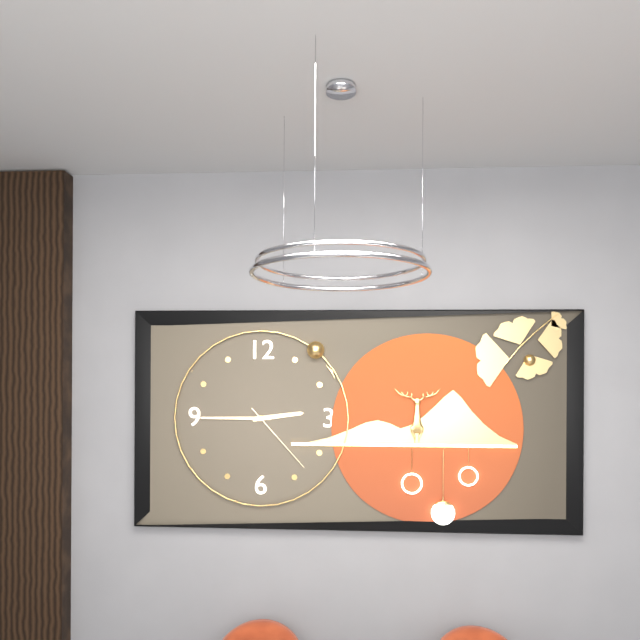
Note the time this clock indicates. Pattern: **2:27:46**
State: **2:45:23**
